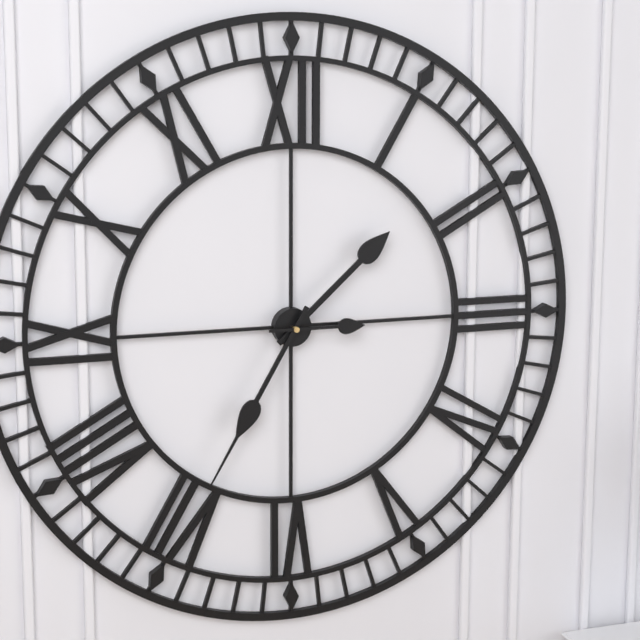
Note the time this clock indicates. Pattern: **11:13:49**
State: **1:35:15**
